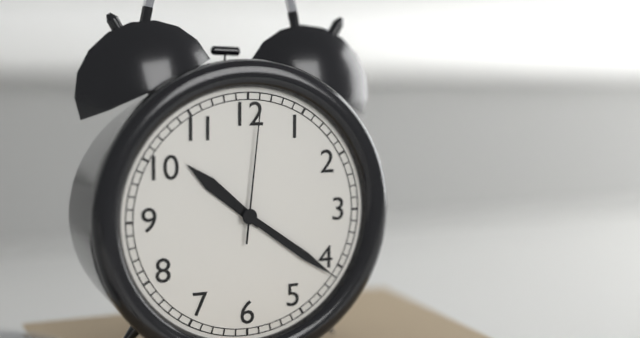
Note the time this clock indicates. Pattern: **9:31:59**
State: **10:21:01**
